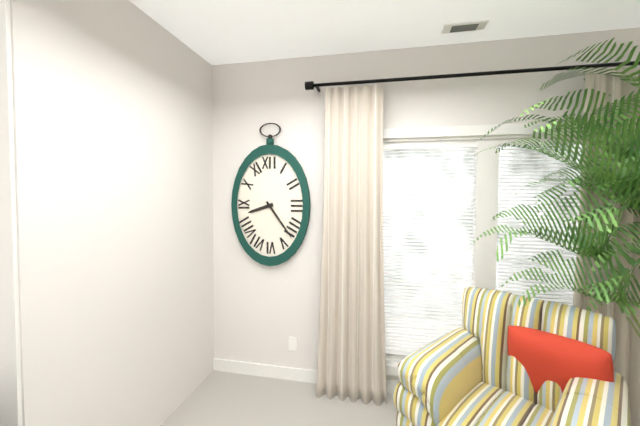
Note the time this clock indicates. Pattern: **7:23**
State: **8:24**
